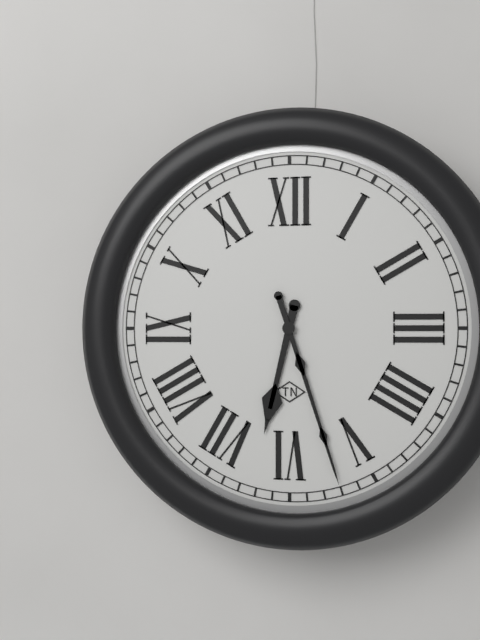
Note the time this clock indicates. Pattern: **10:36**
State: **6:27**
